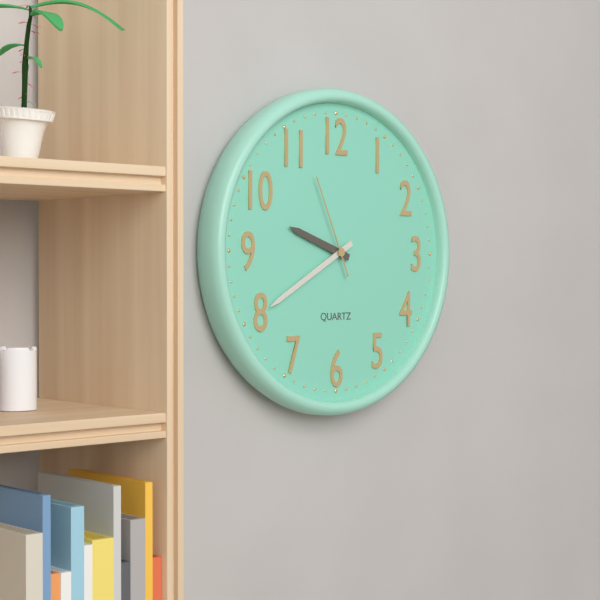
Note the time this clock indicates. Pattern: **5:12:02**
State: **9:40:56**
